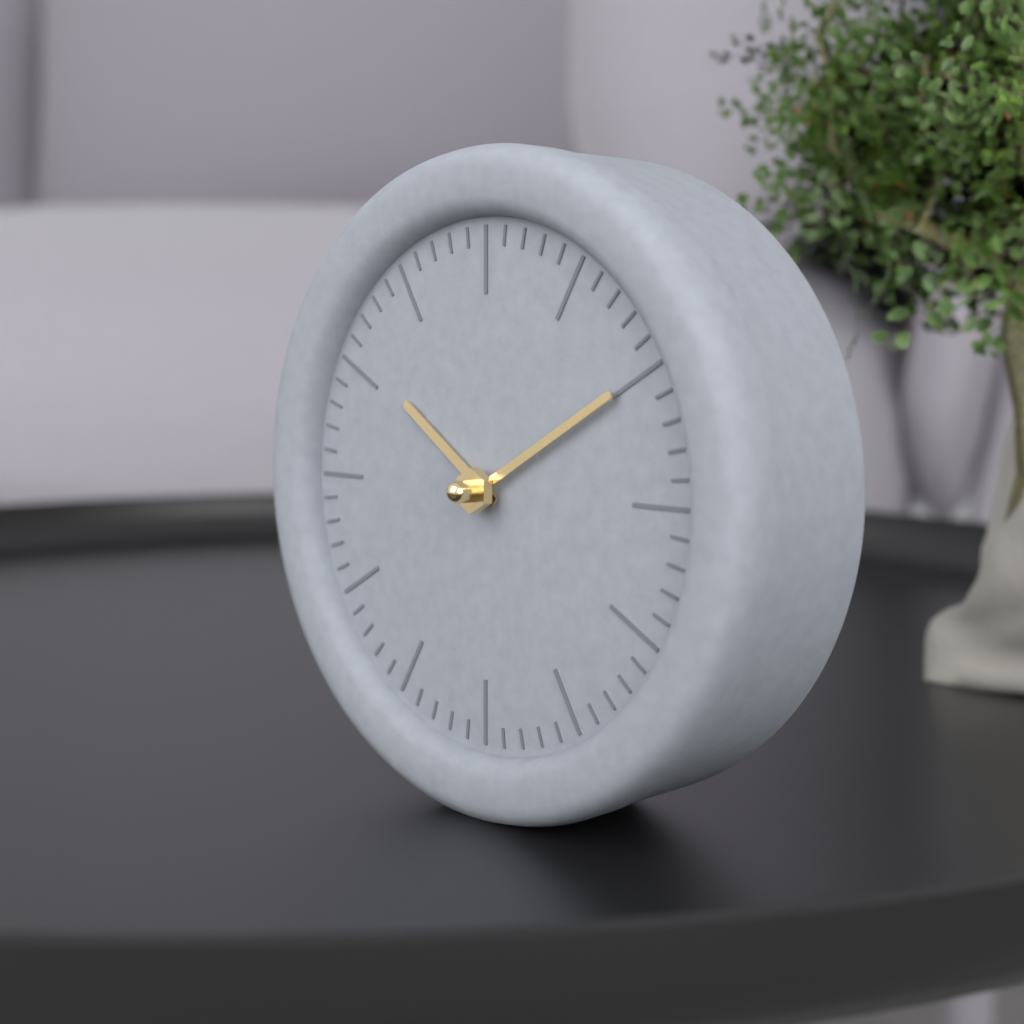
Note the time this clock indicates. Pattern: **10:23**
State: **10:10**
